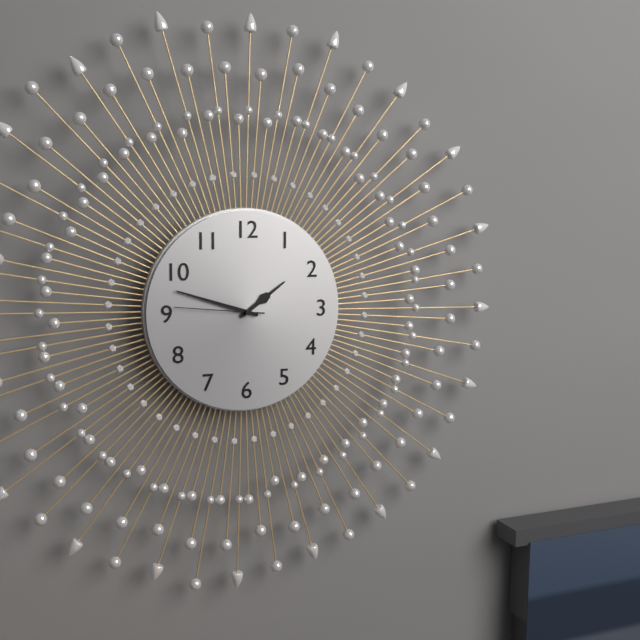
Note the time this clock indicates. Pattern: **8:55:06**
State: **1:48:46**
